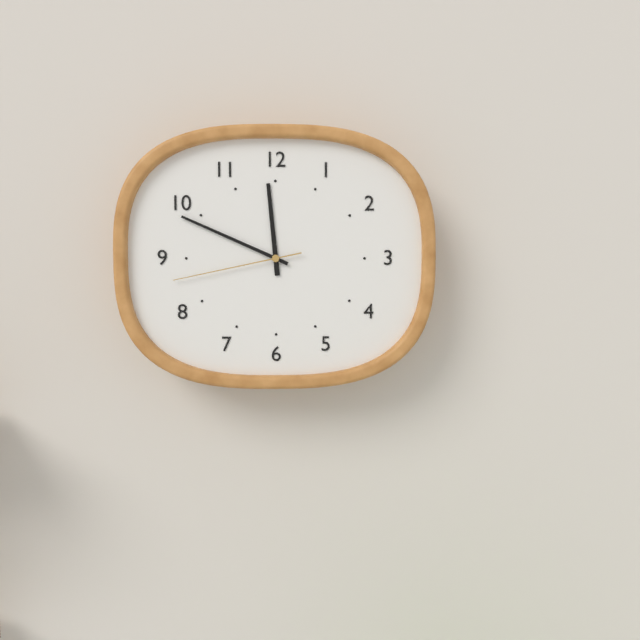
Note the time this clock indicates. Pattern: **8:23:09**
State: **11:49:43**
